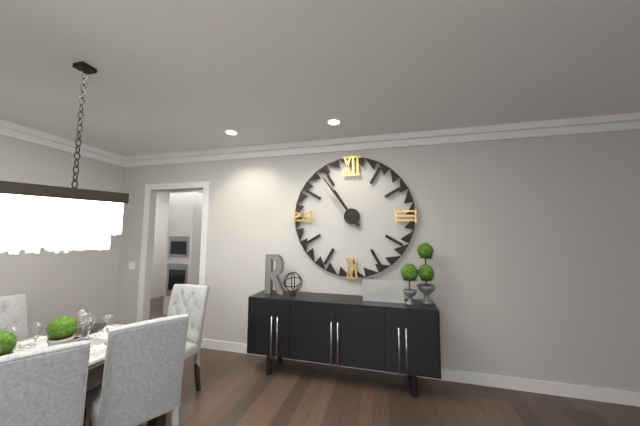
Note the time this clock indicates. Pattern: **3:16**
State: **10:54**
